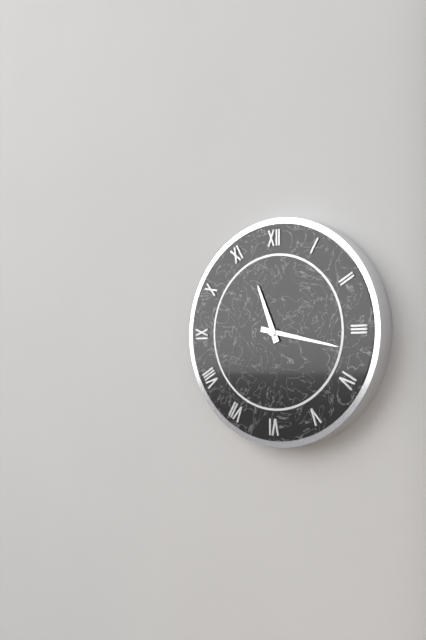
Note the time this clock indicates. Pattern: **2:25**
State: **11:17**
